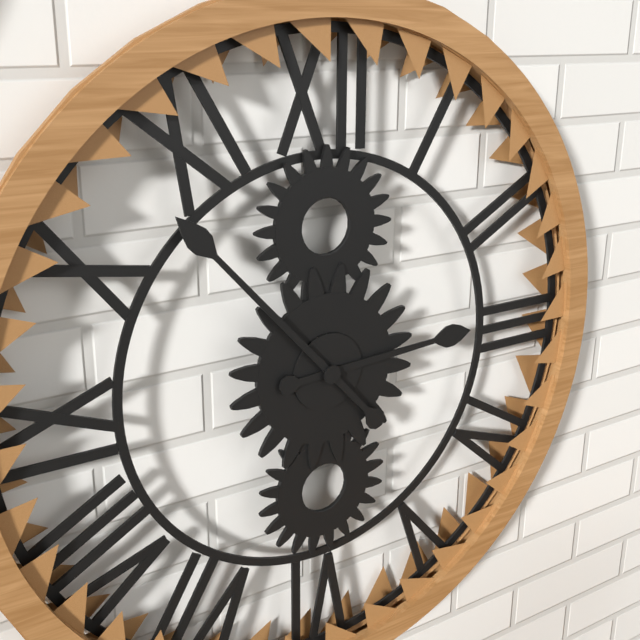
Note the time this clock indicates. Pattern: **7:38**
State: **2:53**
